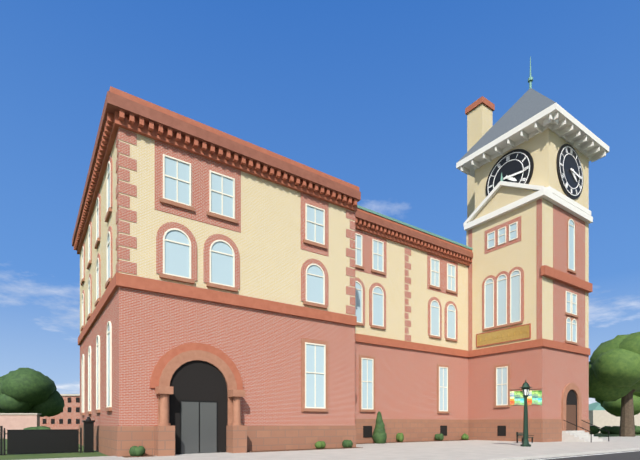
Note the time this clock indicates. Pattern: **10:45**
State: **4:16**
